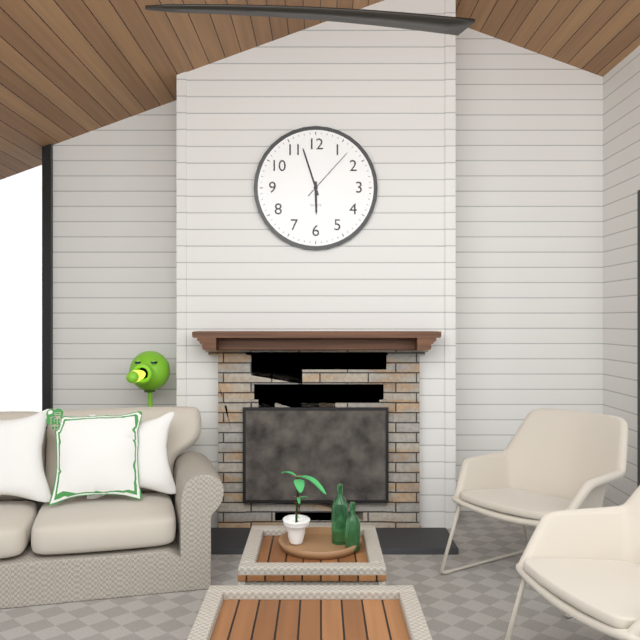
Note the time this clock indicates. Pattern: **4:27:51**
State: **5:57:07**
